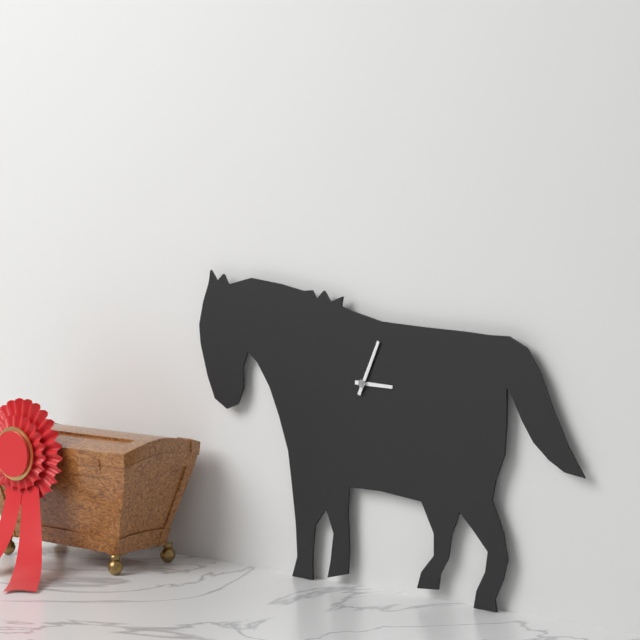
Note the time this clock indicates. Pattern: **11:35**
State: **3:04**
